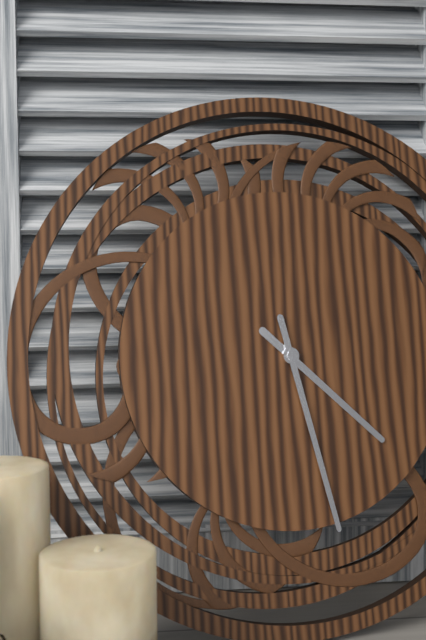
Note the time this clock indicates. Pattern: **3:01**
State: **4:28**
